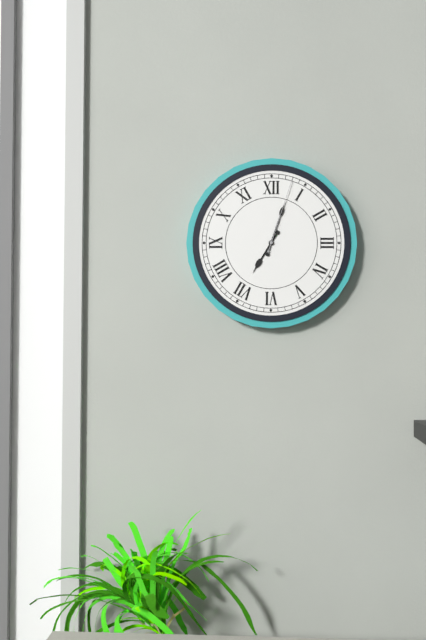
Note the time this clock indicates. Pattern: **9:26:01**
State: **7:03:03**
